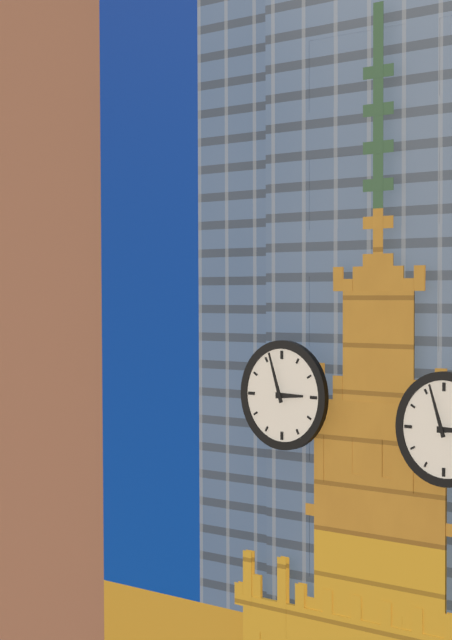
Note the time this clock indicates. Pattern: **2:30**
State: **2:57**
